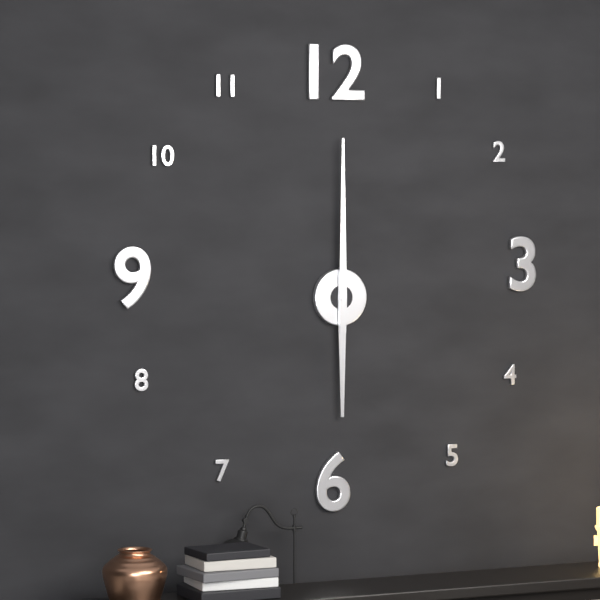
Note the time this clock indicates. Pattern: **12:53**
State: **6:00**
